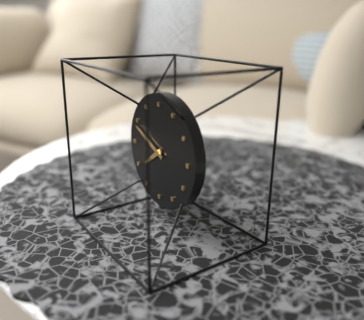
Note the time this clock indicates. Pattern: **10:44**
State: **7:49**
